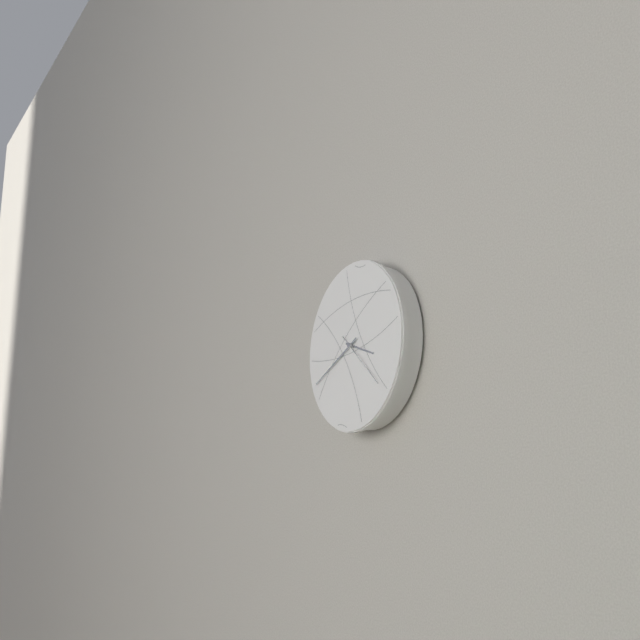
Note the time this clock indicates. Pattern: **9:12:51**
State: **3:41:22**
